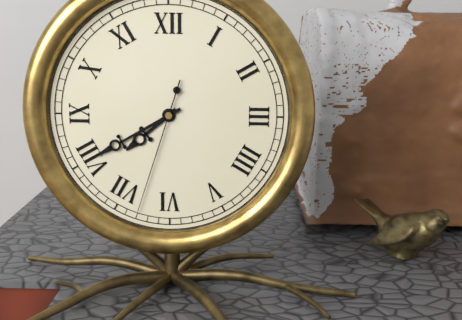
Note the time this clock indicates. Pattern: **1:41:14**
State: **7:40:33**
